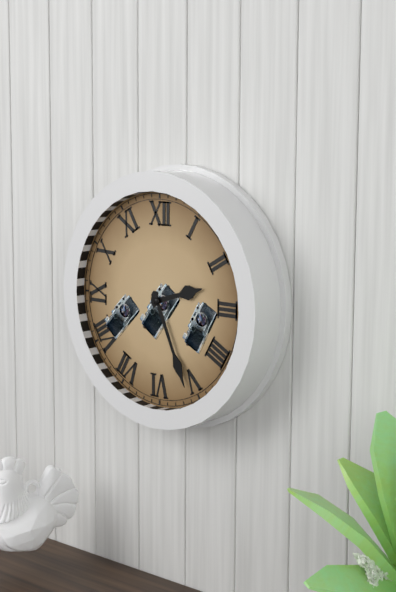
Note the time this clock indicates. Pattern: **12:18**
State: **2:26**
